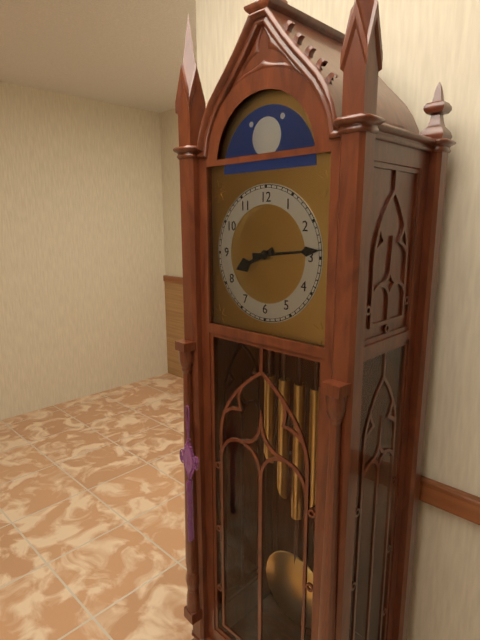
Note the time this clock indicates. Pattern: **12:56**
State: **8:14**
